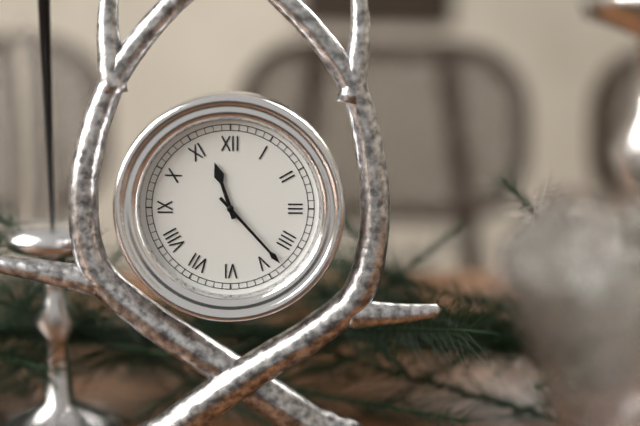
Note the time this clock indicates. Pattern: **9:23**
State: **11:23**
